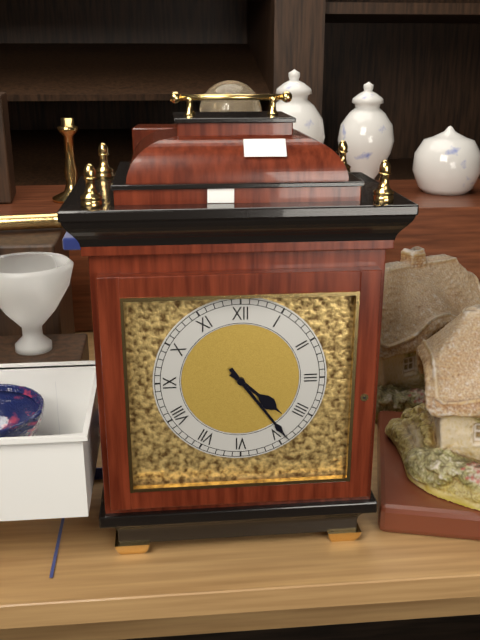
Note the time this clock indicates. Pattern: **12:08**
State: **4:24**
